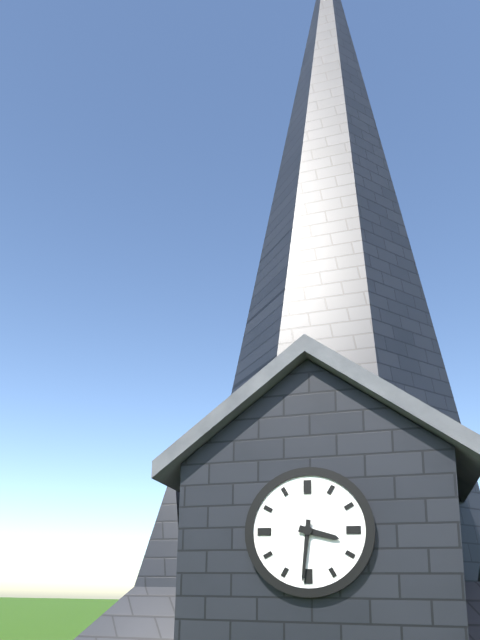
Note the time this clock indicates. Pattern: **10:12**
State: **3:31**
